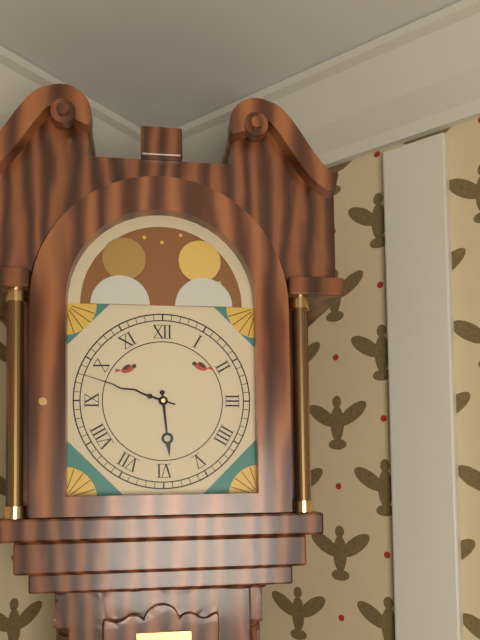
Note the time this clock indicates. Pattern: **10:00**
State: **5:48**
